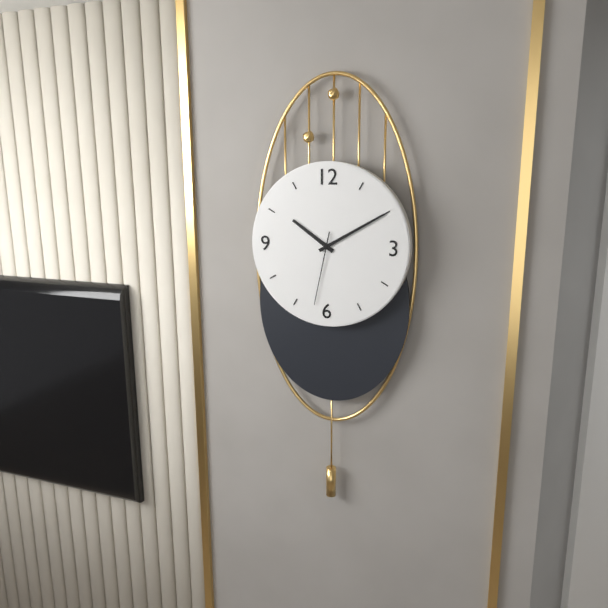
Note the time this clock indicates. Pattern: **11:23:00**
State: **10:10:32**
